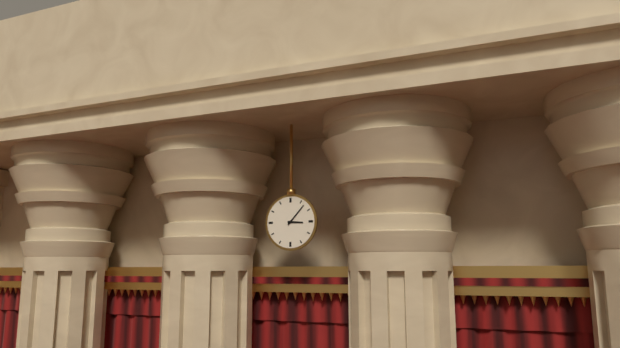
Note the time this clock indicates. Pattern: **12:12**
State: **3:07**
